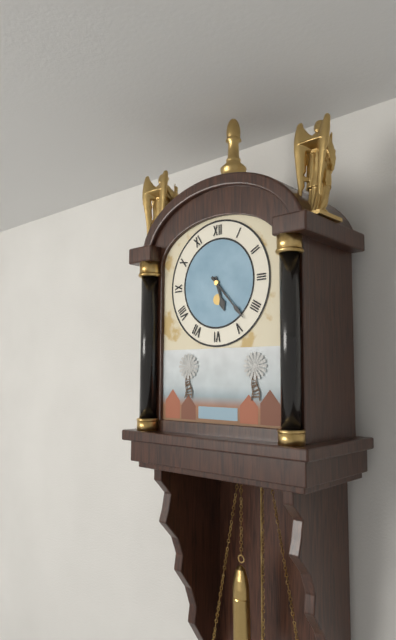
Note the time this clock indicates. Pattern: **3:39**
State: **5:23**
